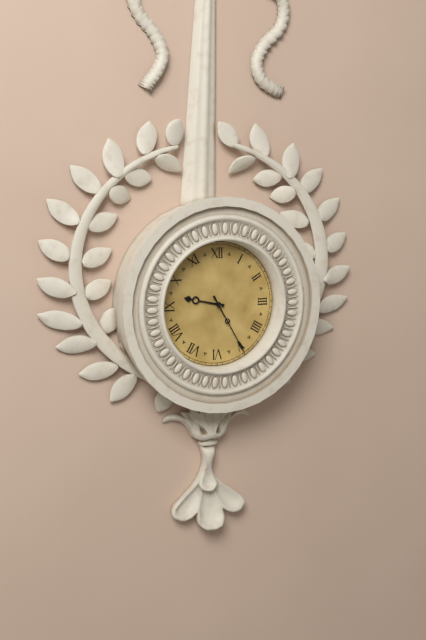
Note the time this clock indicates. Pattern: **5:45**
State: **9:25**
